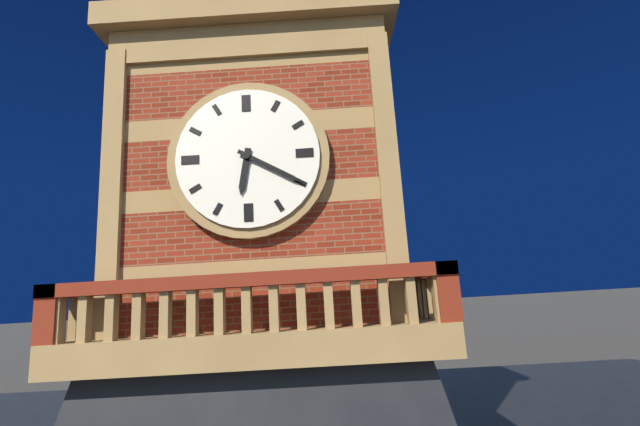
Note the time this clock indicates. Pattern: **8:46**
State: **6:20**
